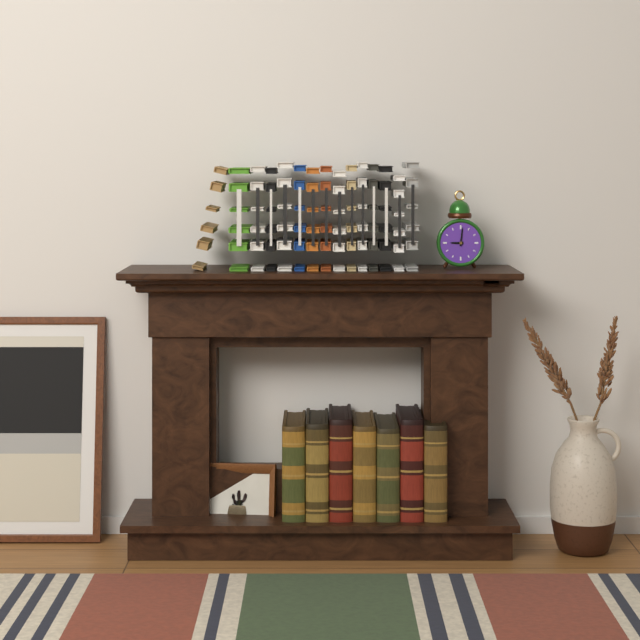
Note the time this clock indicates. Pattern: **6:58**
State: **9:01**
